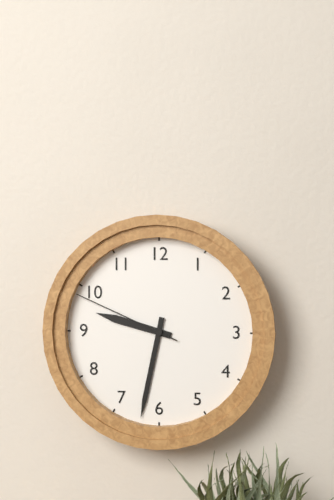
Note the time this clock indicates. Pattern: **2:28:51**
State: **9:32:49**
